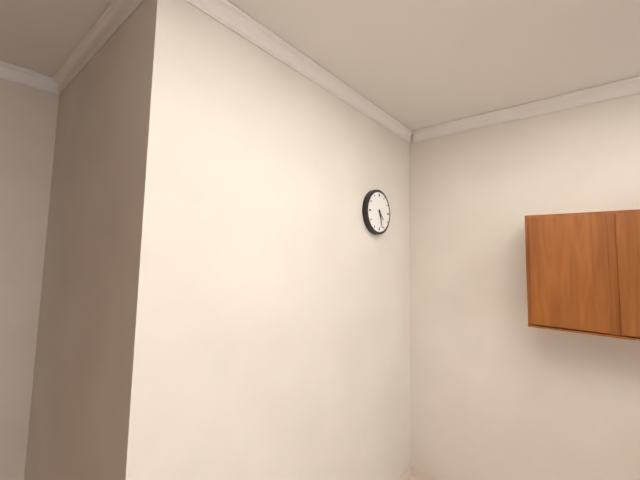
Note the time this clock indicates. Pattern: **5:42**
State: **4:27**
